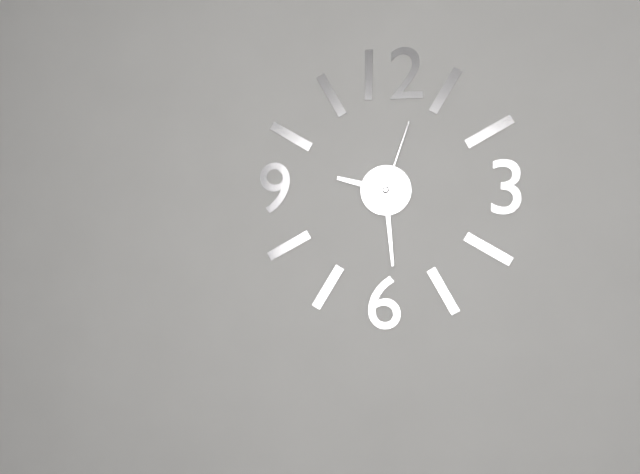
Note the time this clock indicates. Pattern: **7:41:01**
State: **9:29:03**
